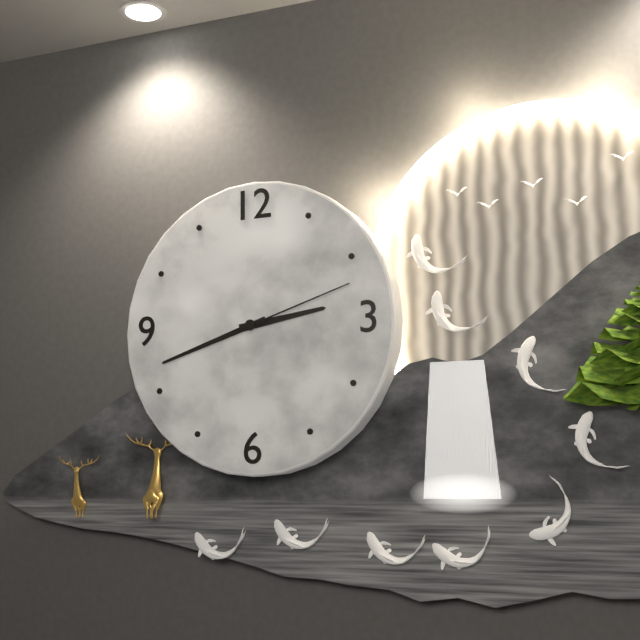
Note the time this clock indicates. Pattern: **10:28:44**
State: **2:42:12**
